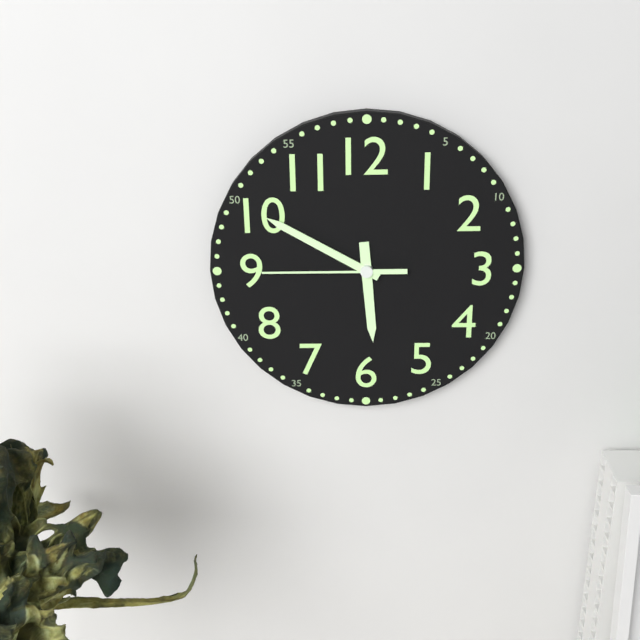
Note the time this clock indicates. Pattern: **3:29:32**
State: **5:50:45**
